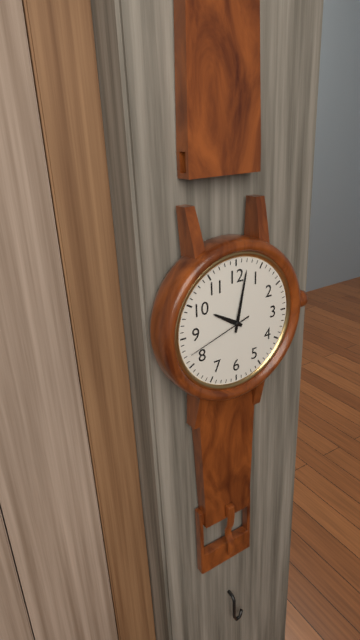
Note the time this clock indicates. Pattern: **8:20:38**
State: **10:02:42**
